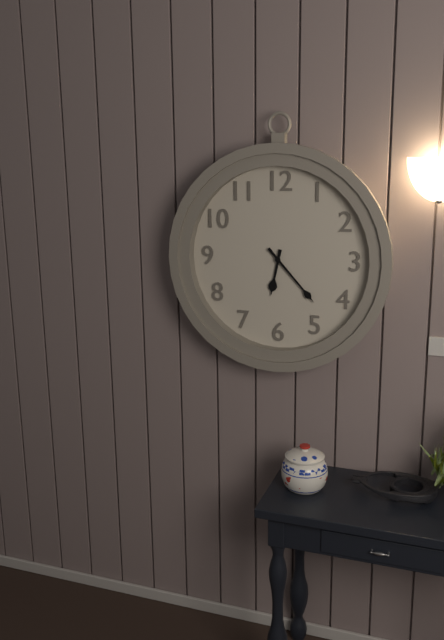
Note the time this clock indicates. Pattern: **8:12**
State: **6:23**
